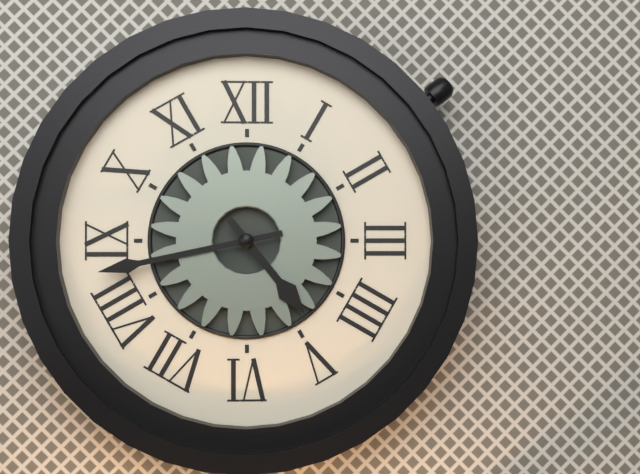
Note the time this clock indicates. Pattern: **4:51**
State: **4:43**
